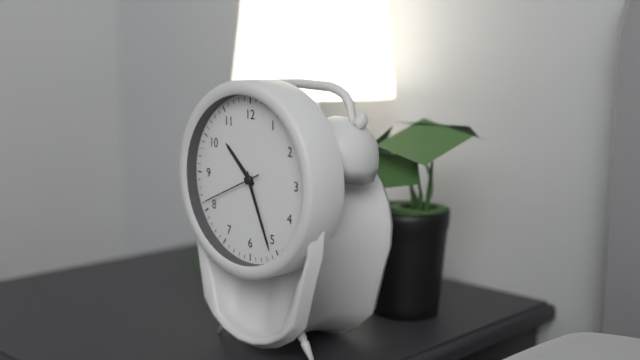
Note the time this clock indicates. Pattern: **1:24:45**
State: **10:26:41**
